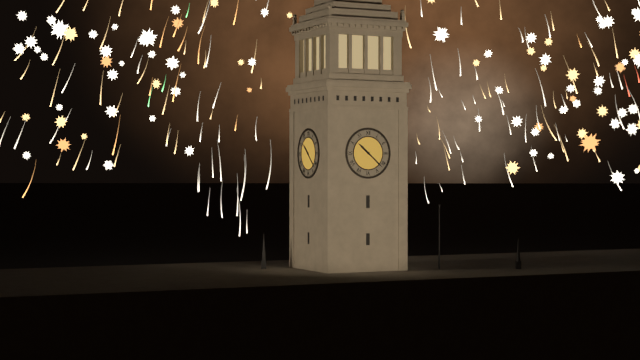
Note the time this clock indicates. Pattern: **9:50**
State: **10:22**
